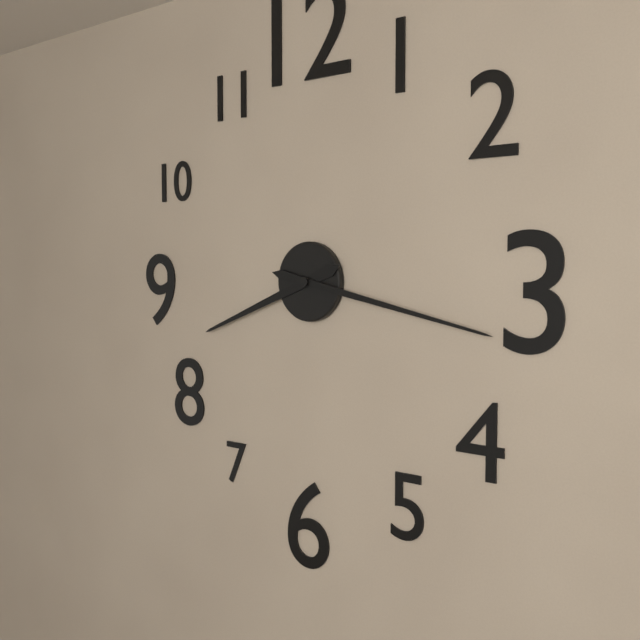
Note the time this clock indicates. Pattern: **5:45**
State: **8:17**
